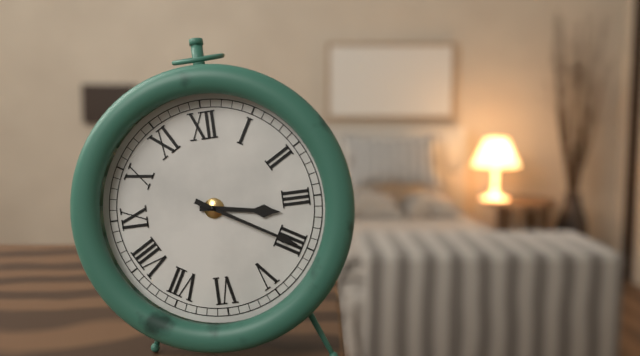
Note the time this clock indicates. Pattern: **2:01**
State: **3:20**
